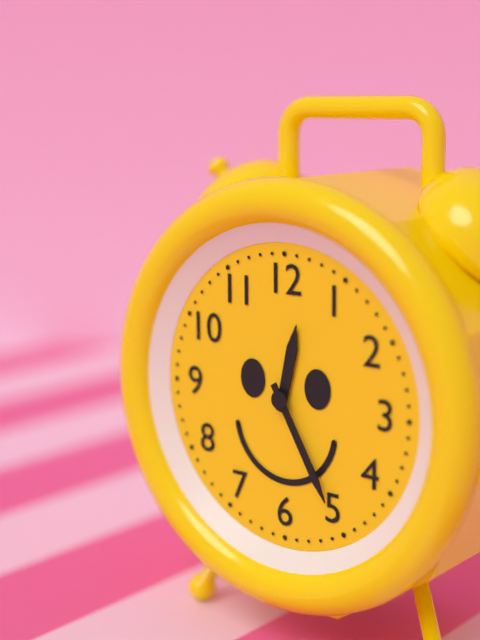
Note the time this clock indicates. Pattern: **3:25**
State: **12:25**
